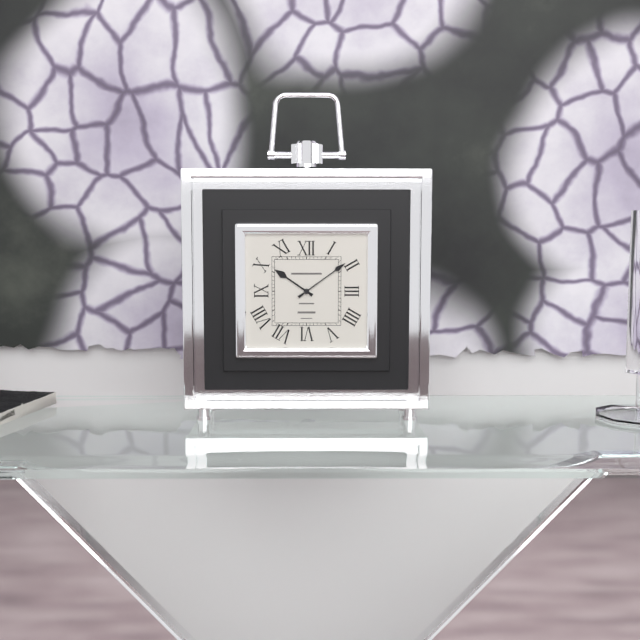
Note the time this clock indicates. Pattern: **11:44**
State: **10:09**
